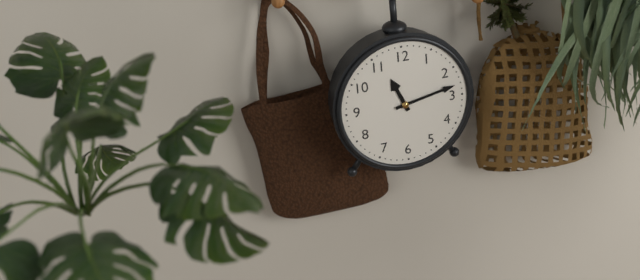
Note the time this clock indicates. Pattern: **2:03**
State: **11:13**
